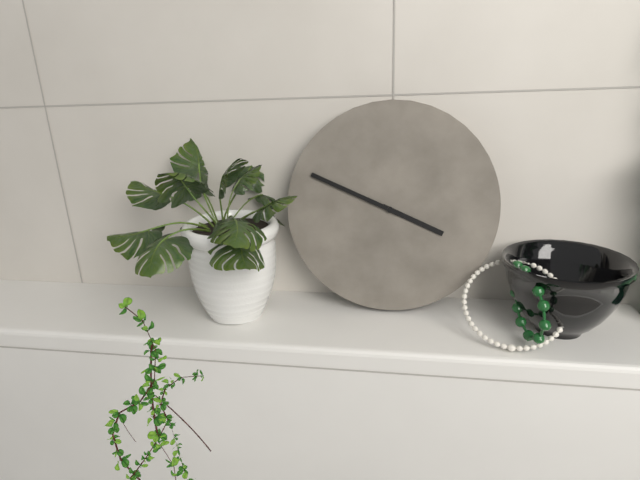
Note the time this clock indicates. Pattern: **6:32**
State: **3:49**
